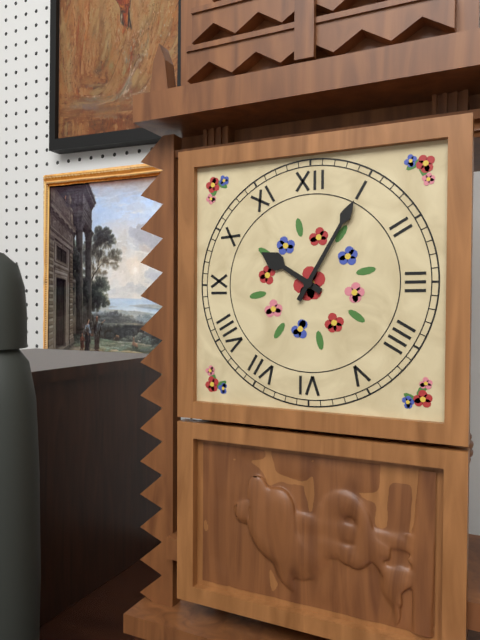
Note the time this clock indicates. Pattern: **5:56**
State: **10:05**
